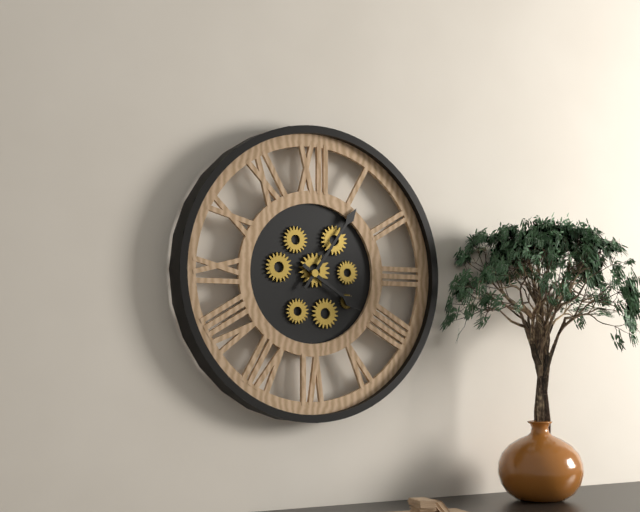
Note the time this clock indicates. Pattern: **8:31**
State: **4:06**
